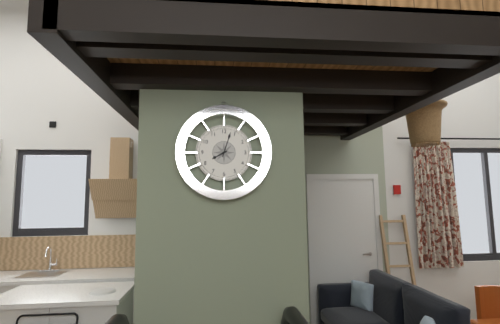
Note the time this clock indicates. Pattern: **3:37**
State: **8:03**
